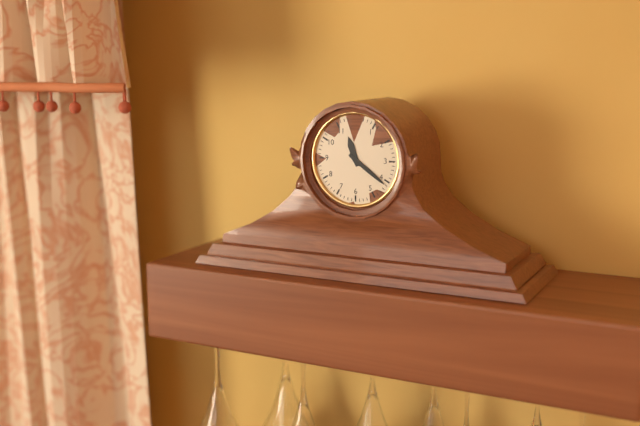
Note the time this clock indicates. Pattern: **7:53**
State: **11:21**
